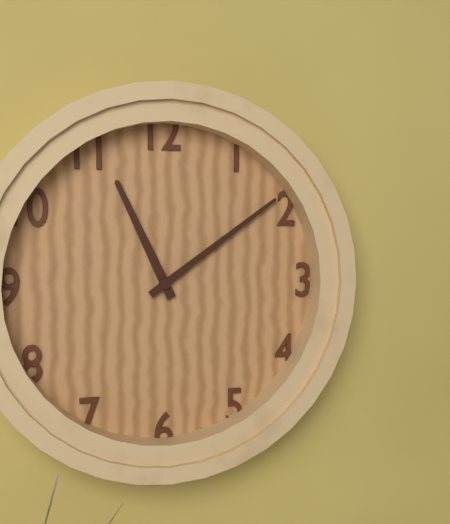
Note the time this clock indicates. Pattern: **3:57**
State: **11:09**
